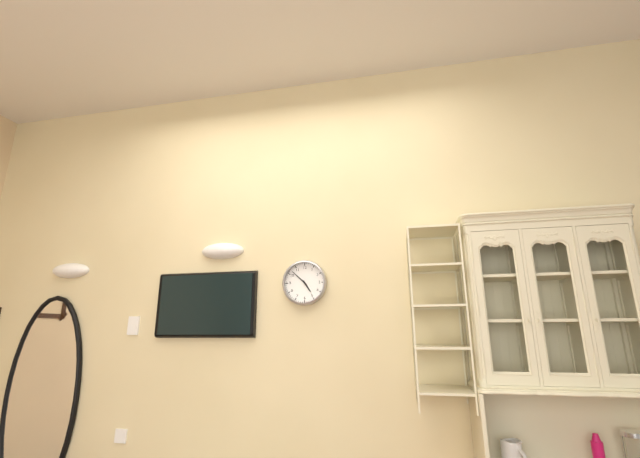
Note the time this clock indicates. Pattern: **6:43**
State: **4:52**
